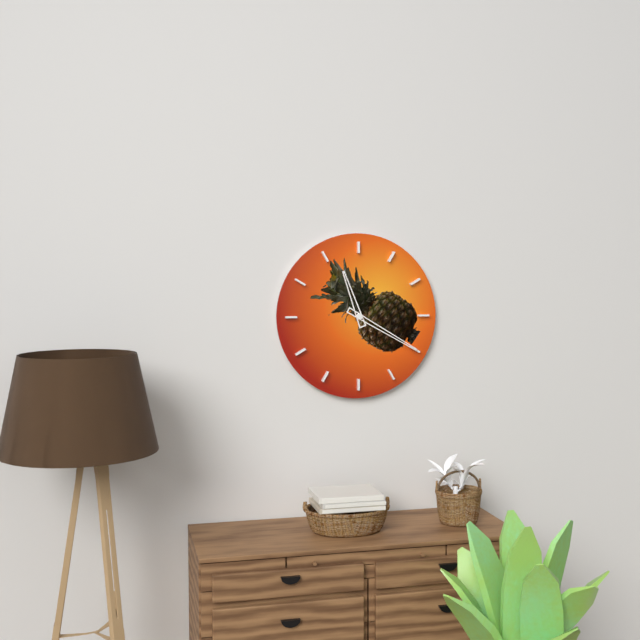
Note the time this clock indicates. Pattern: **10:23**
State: **11:20**
